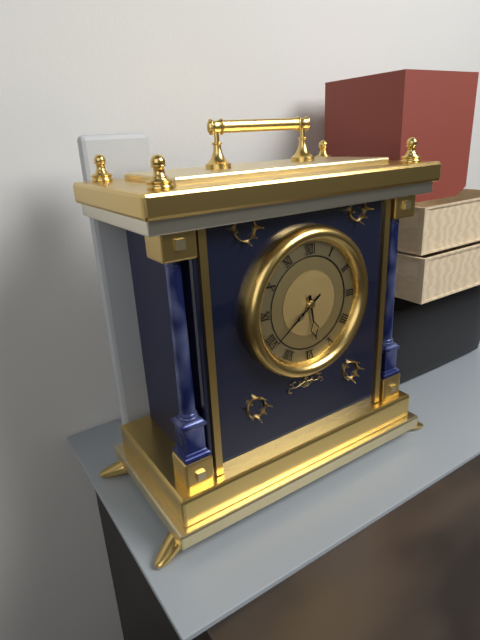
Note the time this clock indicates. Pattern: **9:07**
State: **5:39**
